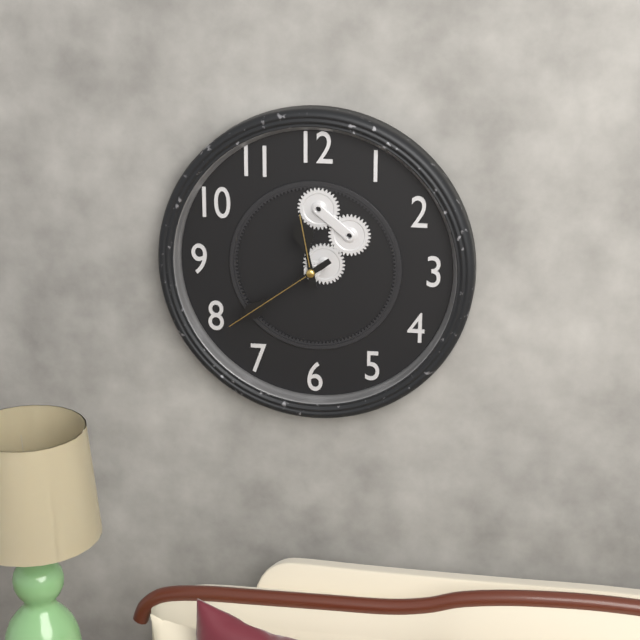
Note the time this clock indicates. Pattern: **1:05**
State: **11:39**
